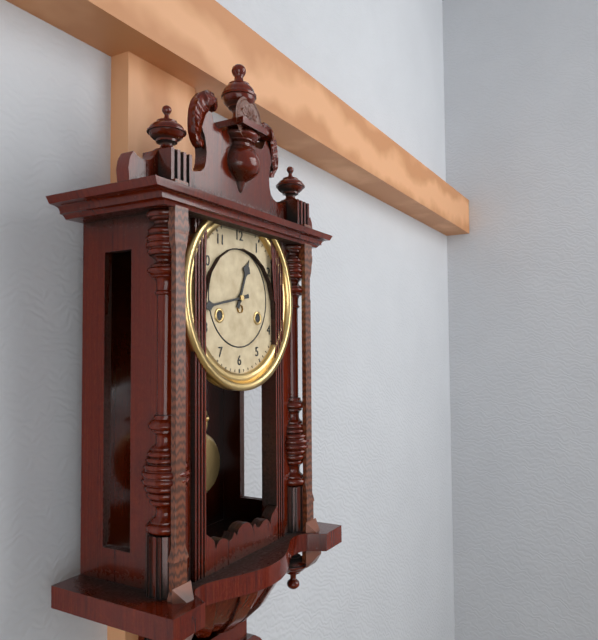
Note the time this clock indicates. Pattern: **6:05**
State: **12:43**
